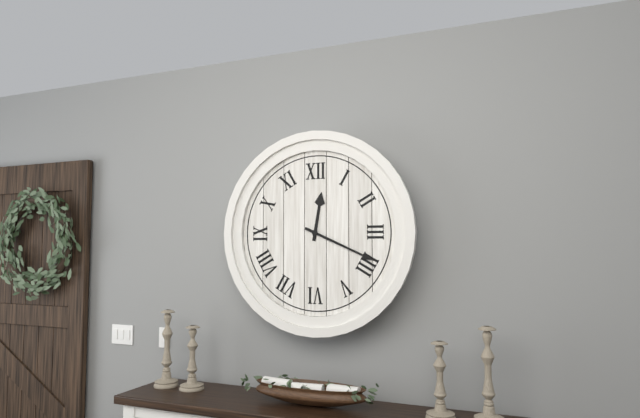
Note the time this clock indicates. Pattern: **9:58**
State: **12:19**
